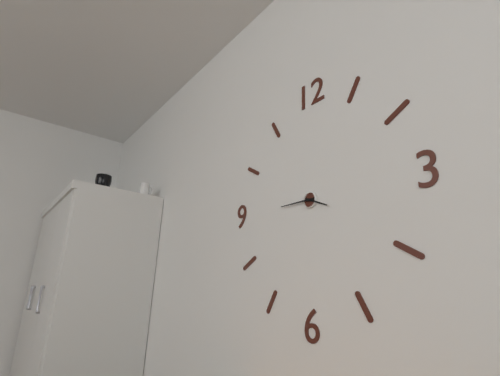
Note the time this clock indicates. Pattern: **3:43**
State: **3:45**
